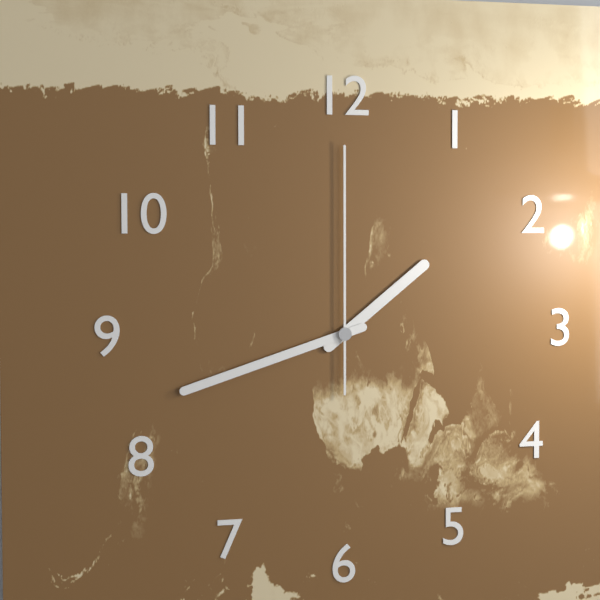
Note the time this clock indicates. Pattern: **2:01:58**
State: **1:42:00**
